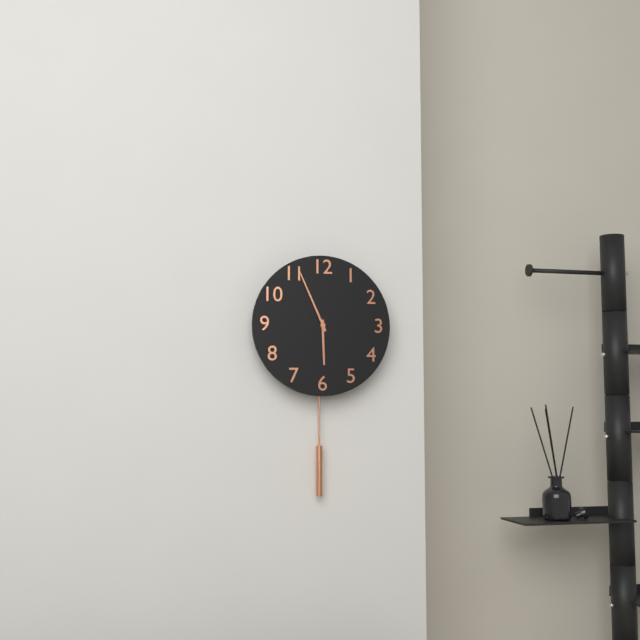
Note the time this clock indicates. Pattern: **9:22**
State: **5:56**
